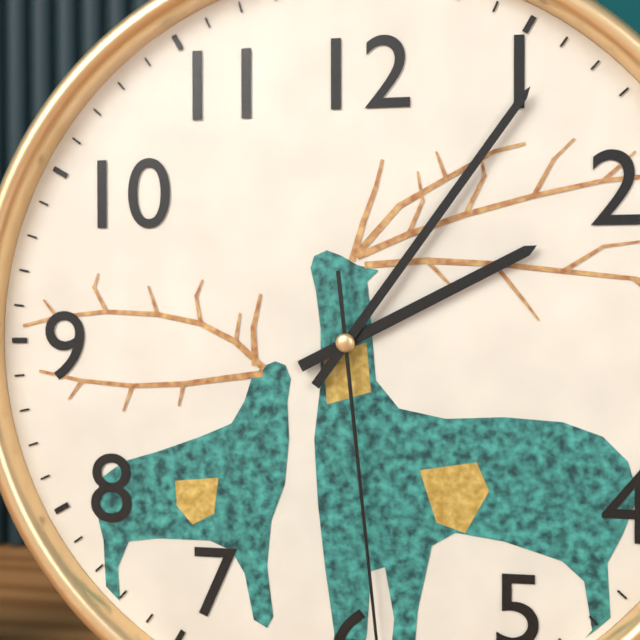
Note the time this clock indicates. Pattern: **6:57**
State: **2:06**
